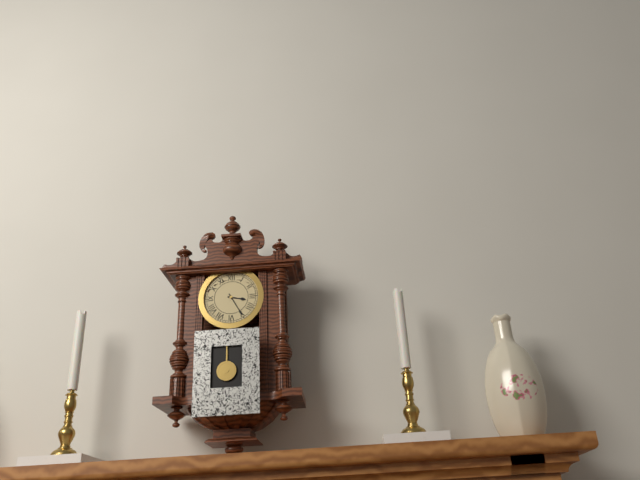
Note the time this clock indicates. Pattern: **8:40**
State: **3:25**
